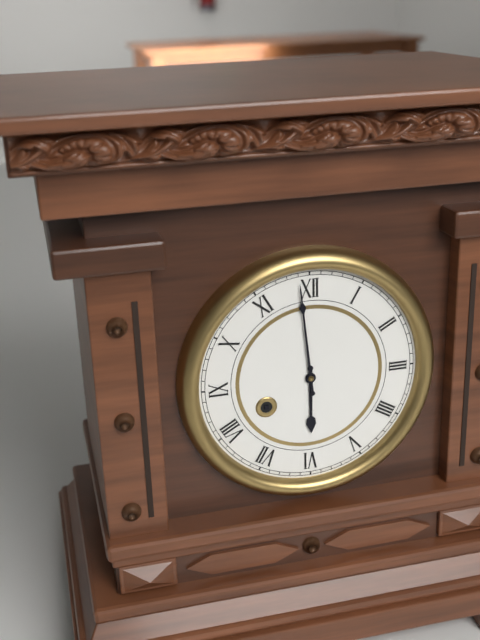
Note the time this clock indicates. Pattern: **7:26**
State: **5:59**
